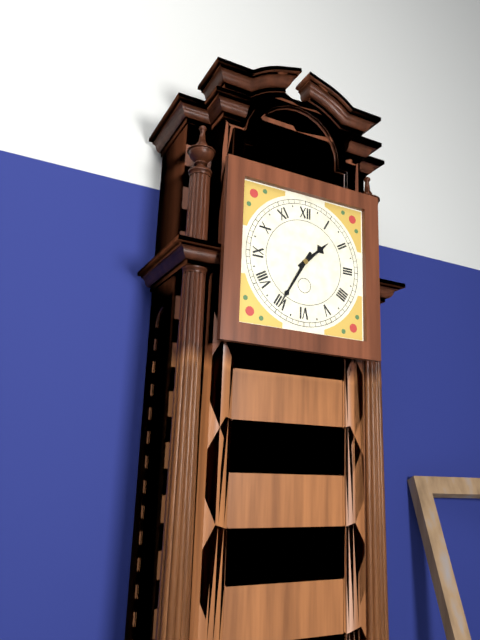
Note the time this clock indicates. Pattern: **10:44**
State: **1:35**
